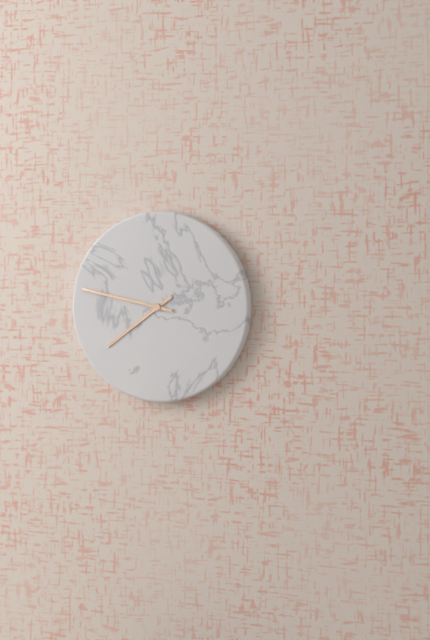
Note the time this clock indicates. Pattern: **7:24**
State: **7:47**
